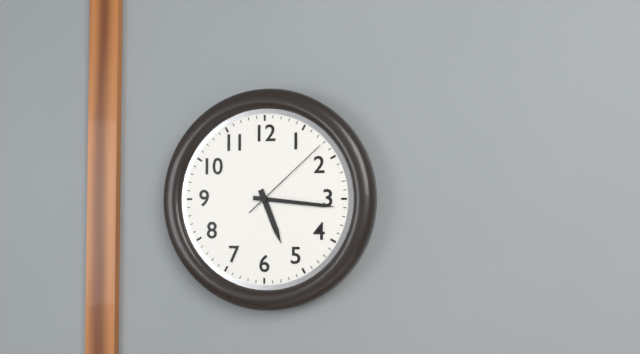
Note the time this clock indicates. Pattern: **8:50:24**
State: **5:16:08**
